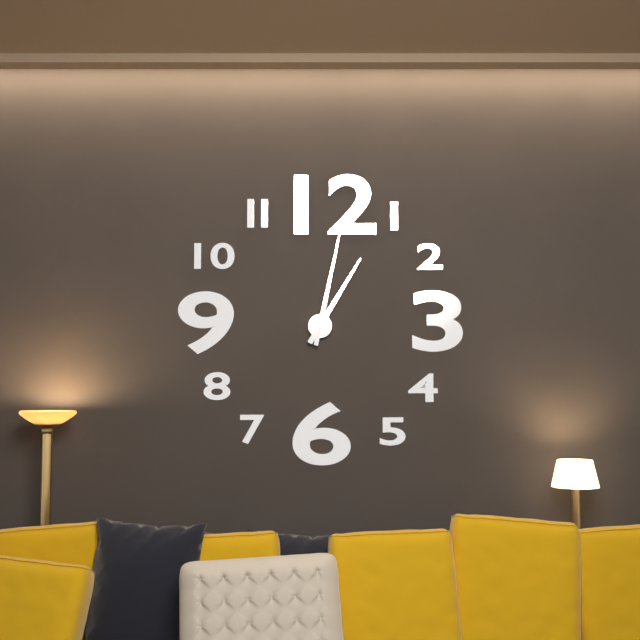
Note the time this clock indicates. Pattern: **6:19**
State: **1:02**
